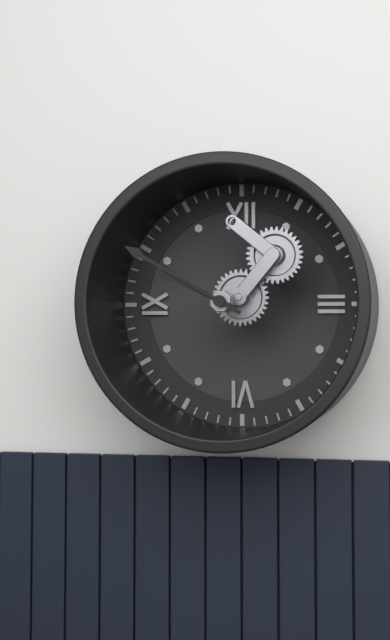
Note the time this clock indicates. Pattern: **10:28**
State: **9:50**
